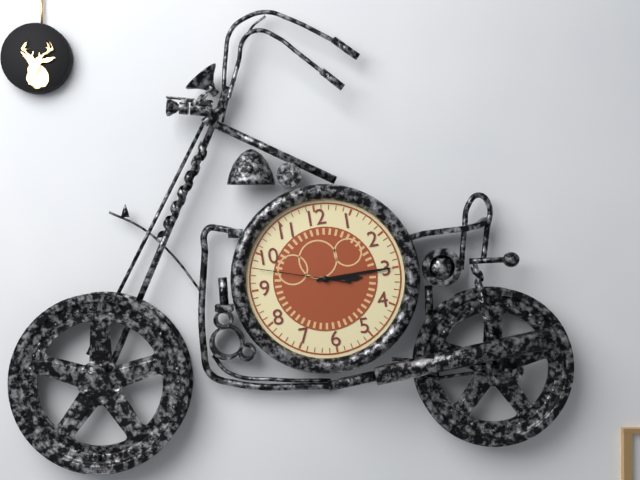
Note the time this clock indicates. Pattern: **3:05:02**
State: **3:15:48**
